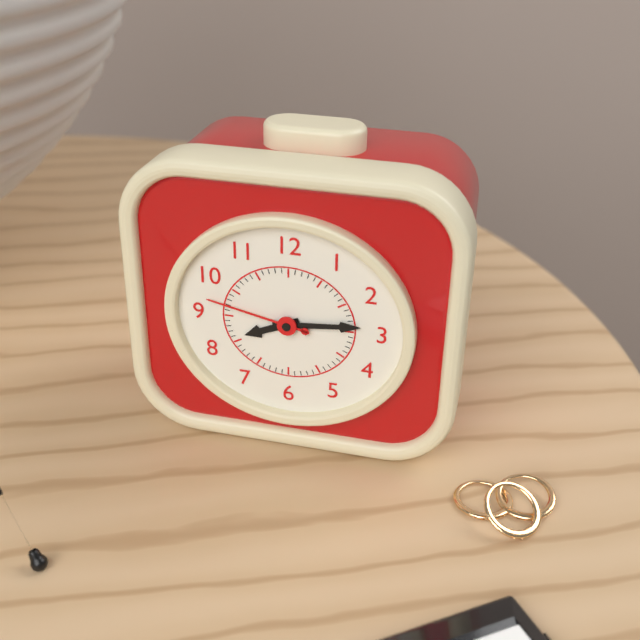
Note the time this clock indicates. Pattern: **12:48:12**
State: **8:14:47**
